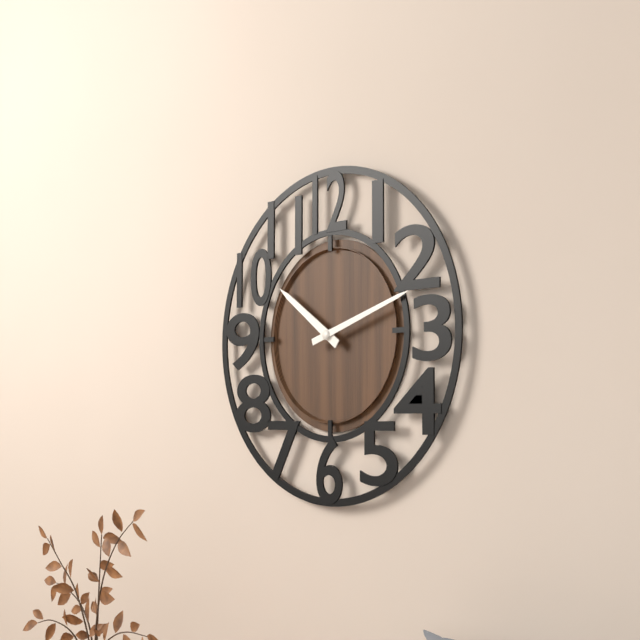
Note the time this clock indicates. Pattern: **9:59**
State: **10:12**
